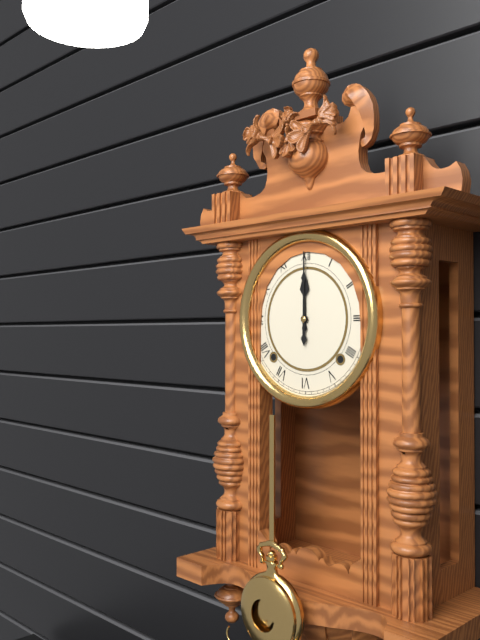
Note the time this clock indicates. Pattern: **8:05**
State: **12:00**
